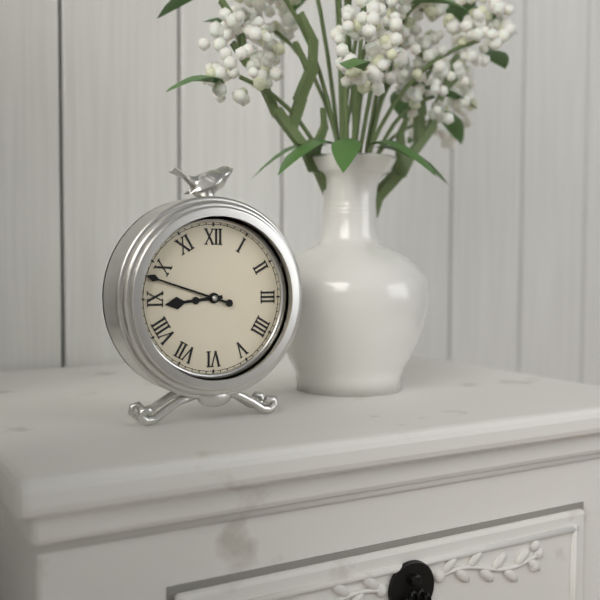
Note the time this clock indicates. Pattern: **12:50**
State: **8:48**
